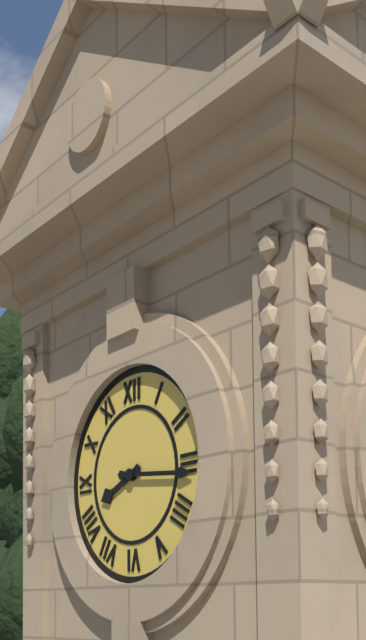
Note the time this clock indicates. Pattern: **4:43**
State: **8:16**
